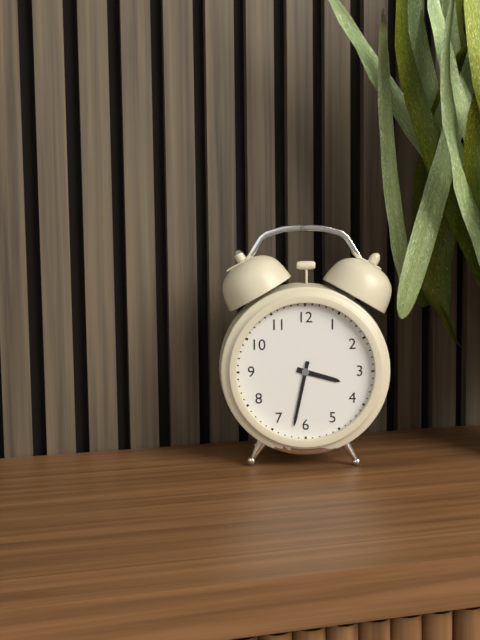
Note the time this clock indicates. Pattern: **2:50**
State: **3:32**
